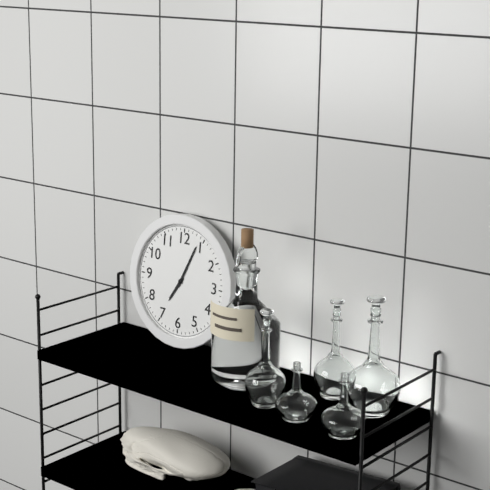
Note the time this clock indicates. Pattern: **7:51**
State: **7:04**
